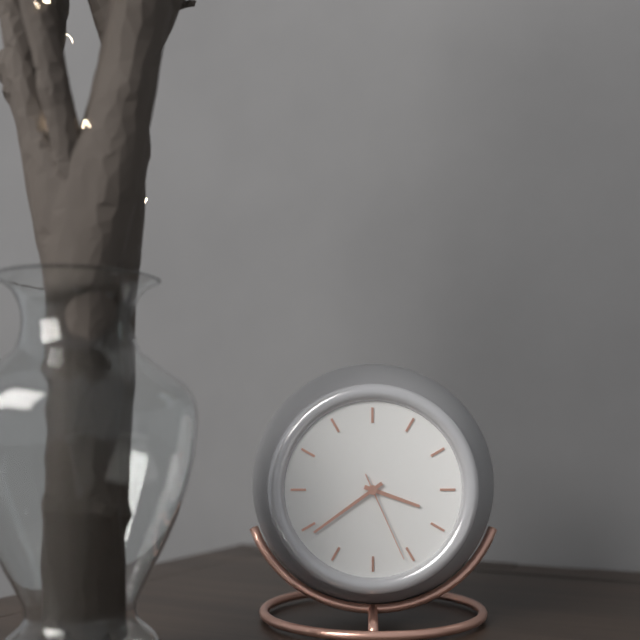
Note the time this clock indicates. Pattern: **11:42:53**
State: **3:39:26**
